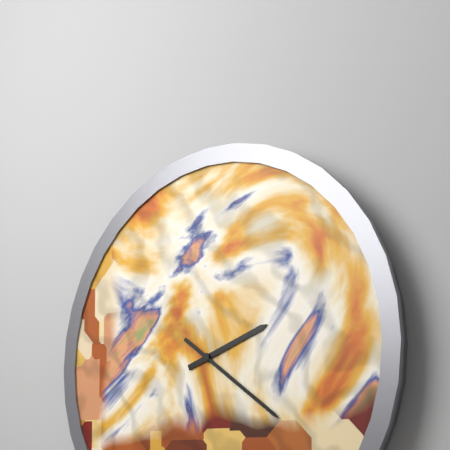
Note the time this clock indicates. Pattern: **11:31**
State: **2:21**
